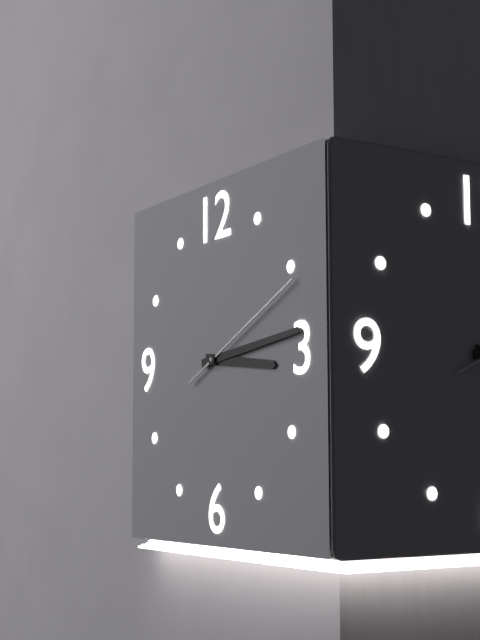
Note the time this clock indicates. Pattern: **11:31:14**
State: **3:14:11**
